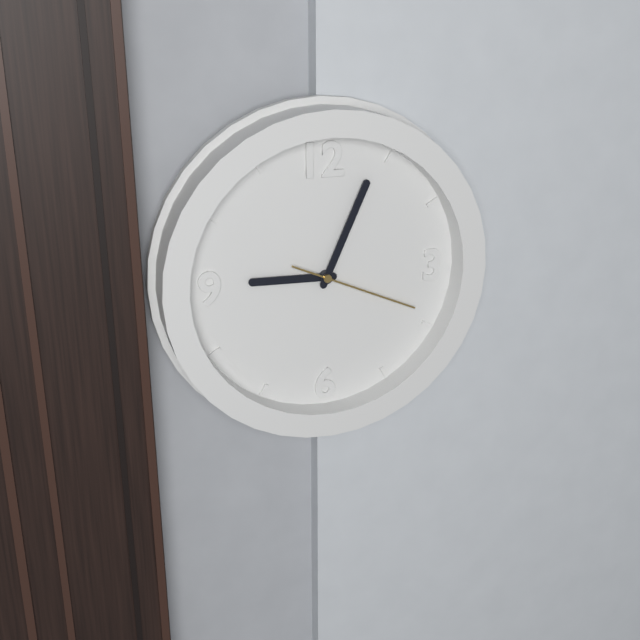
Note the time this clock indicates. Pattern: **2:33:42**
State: **9:04:19**
